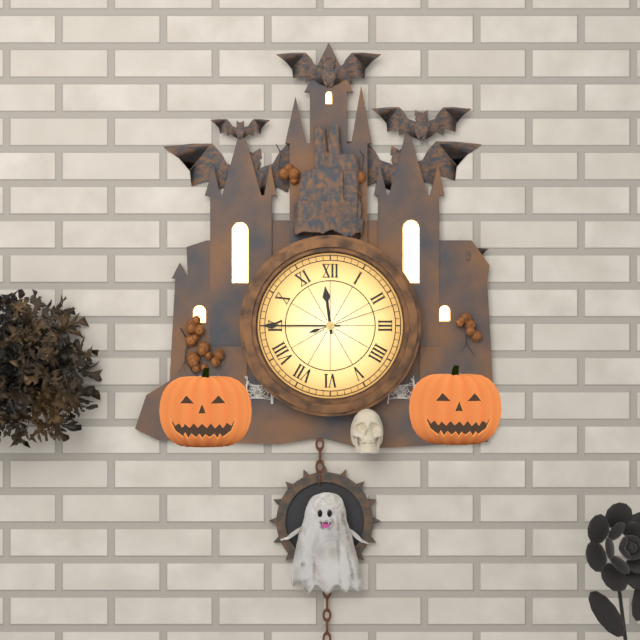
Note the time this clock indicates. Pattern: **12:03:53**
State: **11:45:12**
